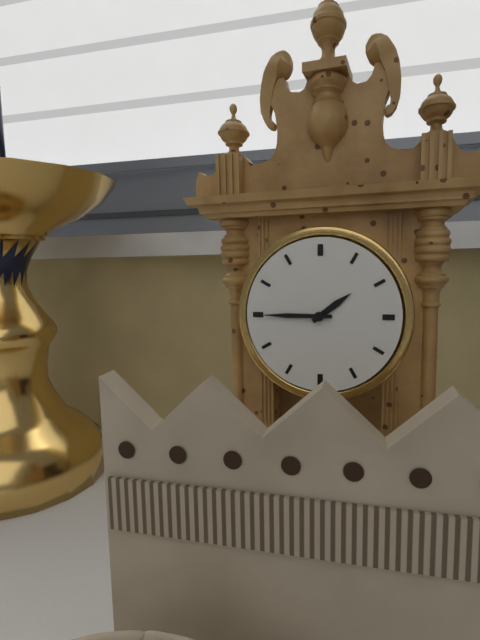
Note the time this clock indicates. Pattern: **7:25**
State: **1:45**
